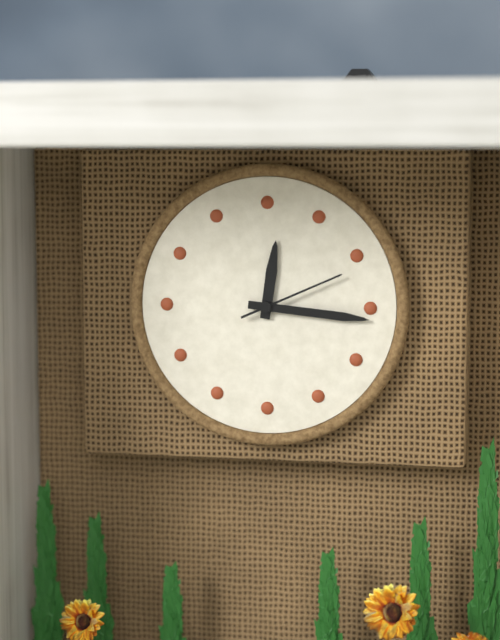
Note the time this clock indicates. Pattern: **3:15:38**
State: **12:16:11**
